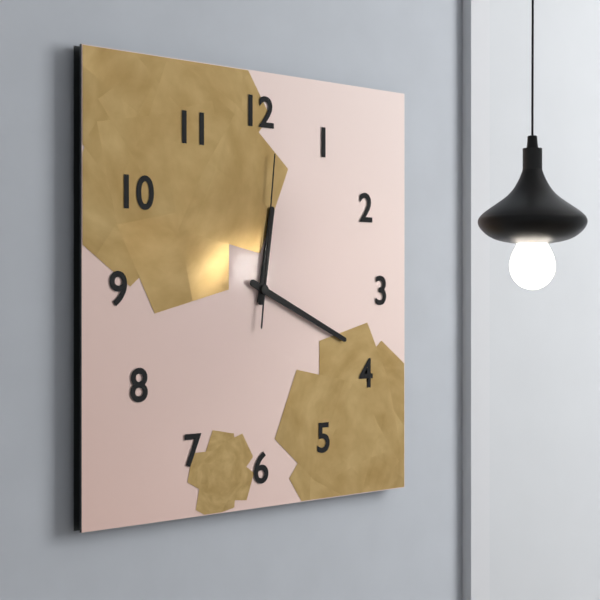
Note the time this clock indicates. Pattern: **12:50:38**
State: **12:19:01**
